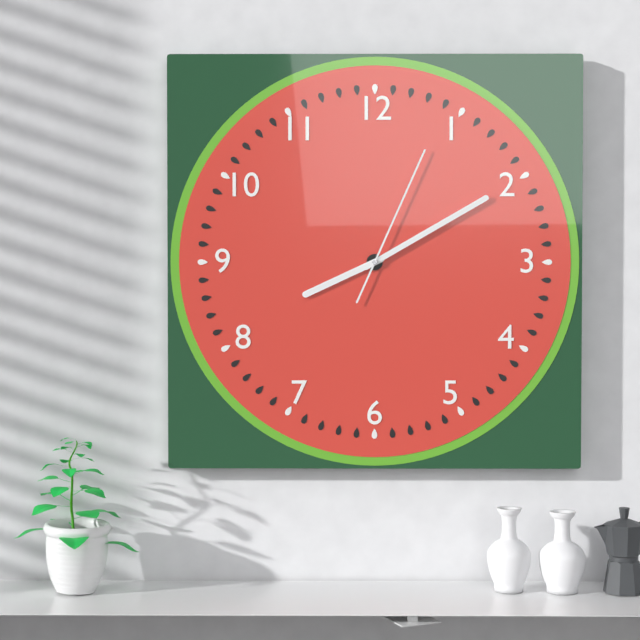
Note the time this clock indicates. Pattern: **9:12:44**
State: **8:10:04**
